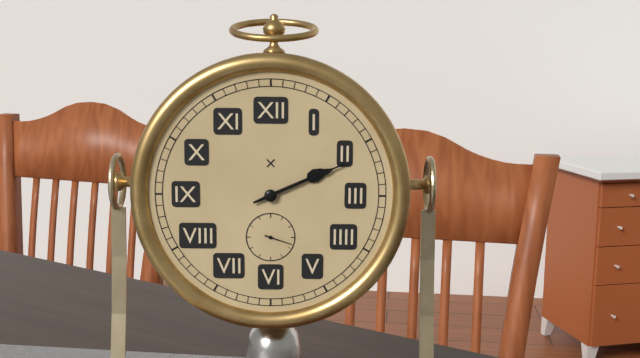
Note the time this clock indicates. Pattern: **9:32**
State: **2:11**
